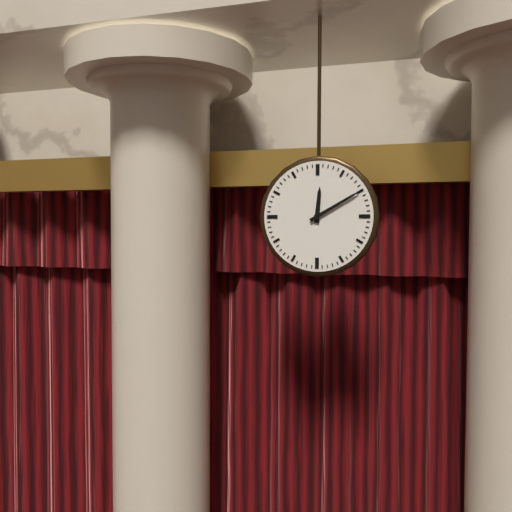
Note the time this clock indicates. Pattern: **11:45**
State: **12:10**
